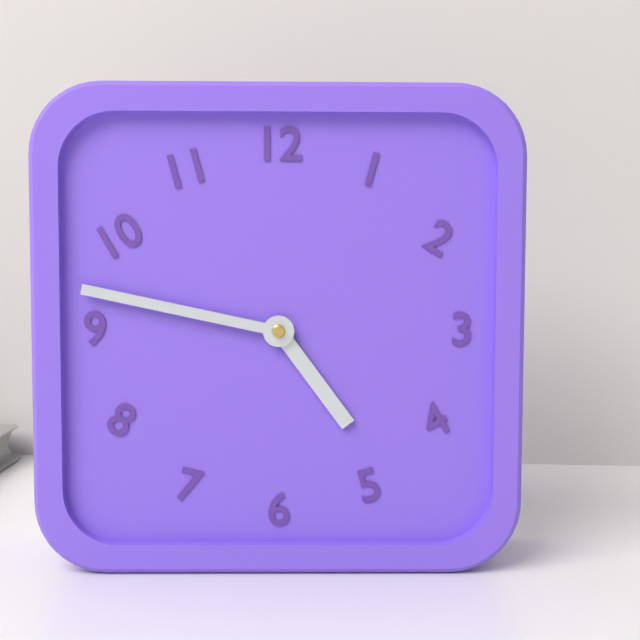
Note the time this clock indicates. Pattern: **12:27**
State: **4:47**
